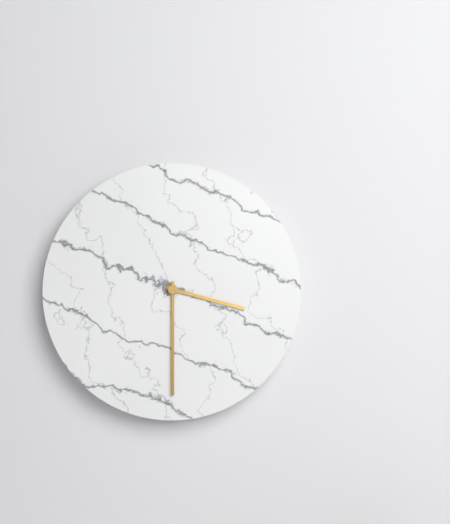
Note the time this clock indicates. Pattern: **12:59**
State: **3:30**
